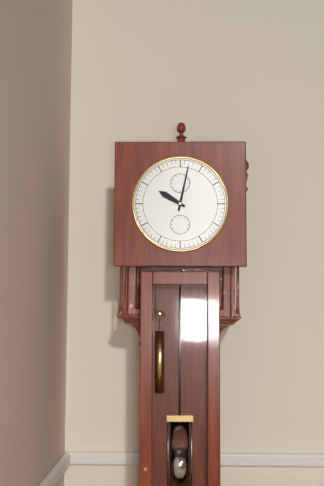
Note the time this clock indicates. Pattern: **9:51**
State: **10:02**
